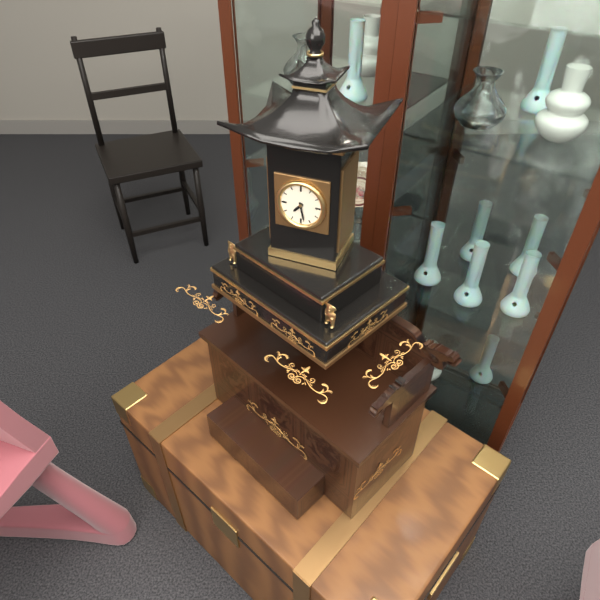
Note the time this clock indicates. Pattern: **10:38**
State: **7:28**
